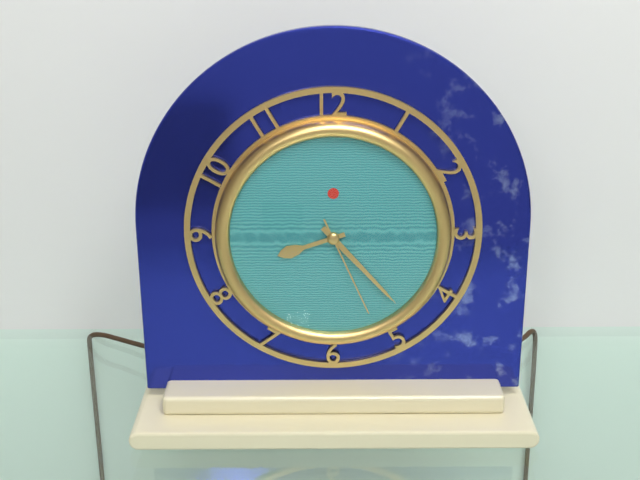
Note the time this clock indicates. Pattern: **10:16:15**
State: **8:23:26**
